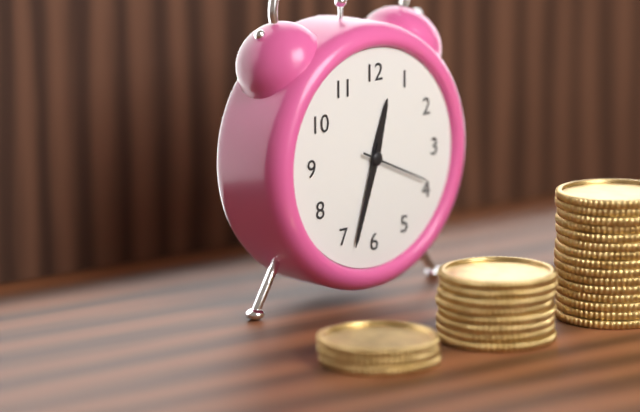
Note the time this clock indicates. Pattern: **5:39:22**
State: **12:33:19**
